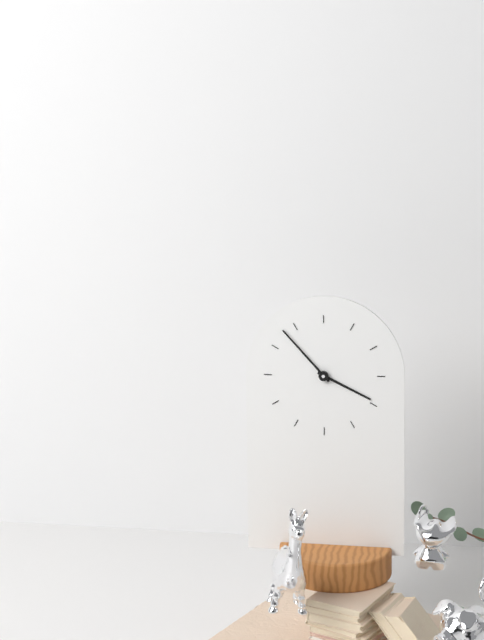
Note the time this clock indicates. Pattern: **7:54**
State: **3:53**
